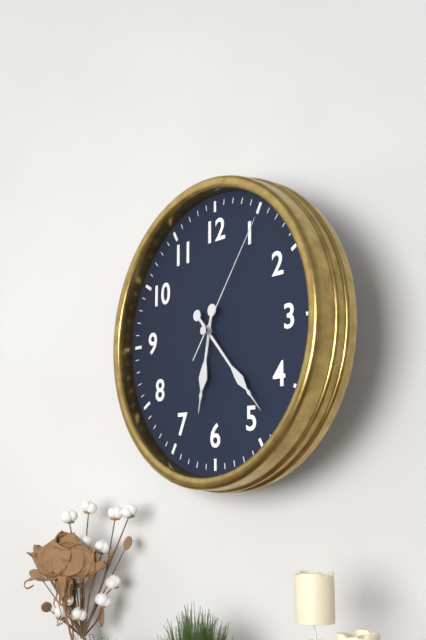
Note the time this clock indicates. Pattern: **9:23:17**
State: **6:23:06**
